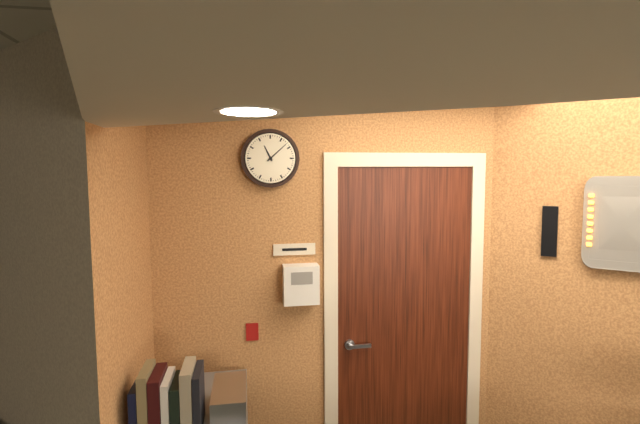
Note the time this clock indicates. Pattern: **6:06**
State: **11:08**
